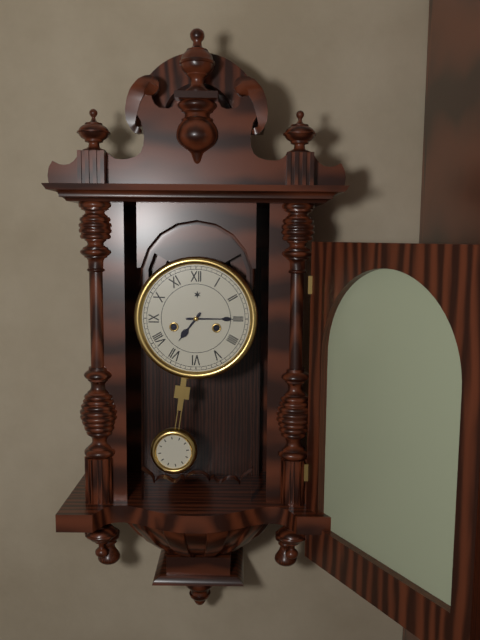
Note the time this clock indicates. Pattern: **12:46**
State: **7:15**
